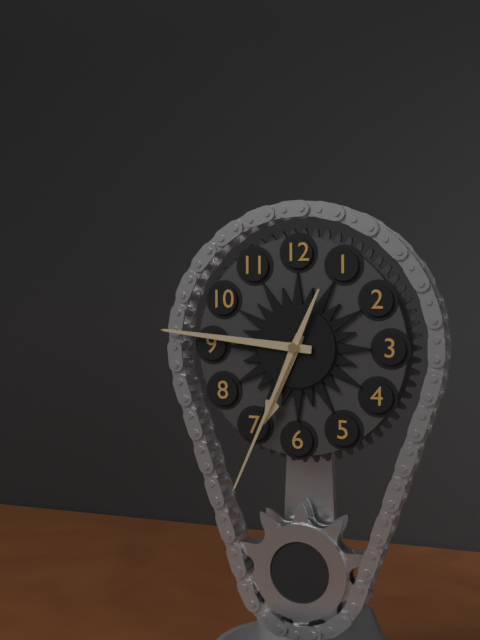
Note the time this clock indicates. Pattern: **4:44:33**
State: **6:46:34**
